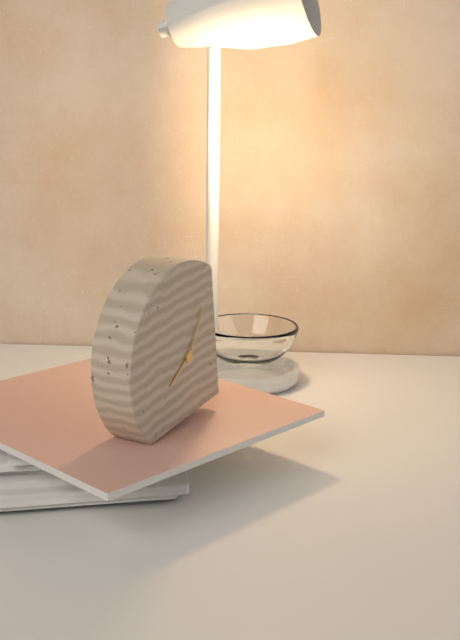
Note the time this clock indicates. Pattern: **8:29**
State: **8:06**
